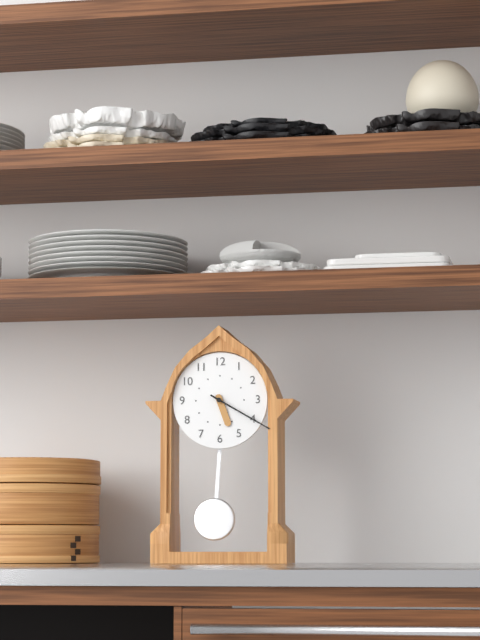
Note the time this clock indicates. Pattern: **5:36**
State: **5:20**
